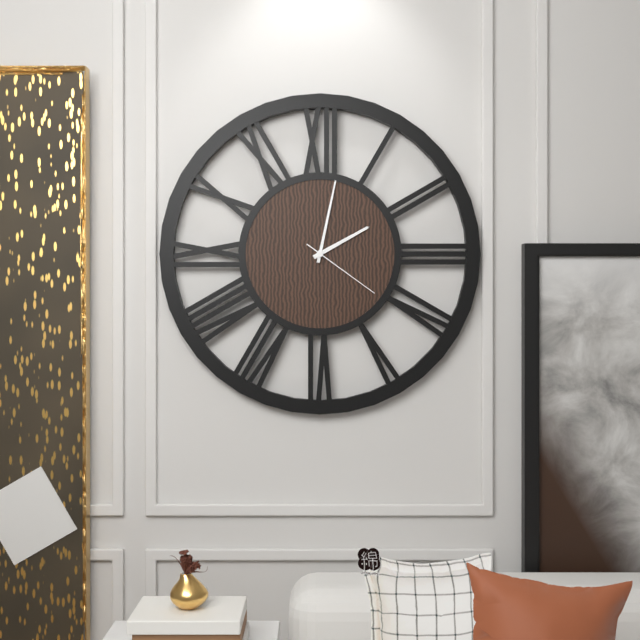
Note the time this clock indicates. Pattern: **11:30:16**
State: **2:02:21**
